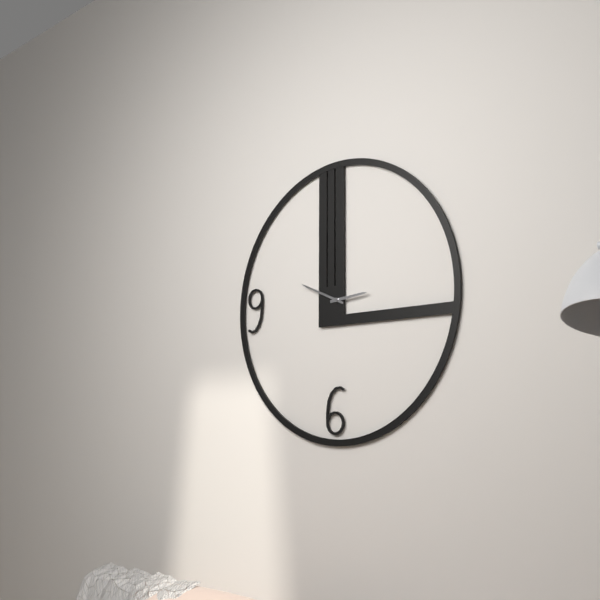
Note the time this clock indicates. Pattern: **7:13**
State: **2:49**
